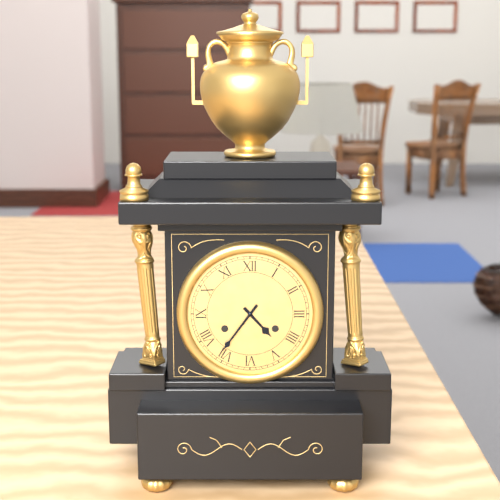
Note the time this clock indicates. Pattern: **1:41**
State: **4:36**
